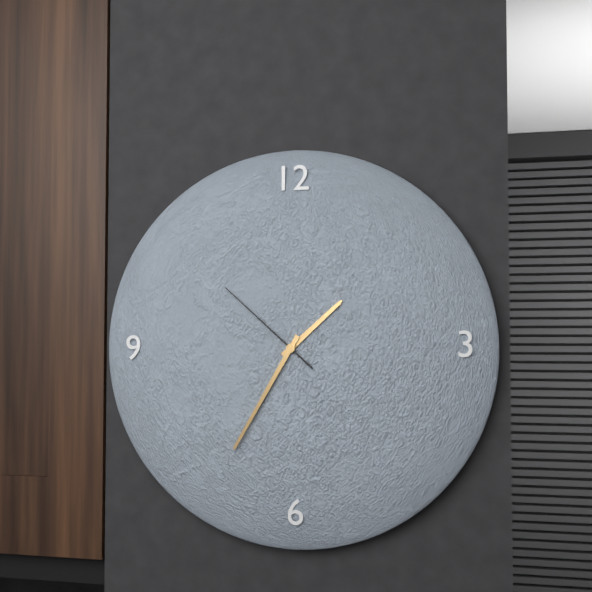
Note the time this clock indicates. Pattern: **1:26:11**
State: **1:35:52**
